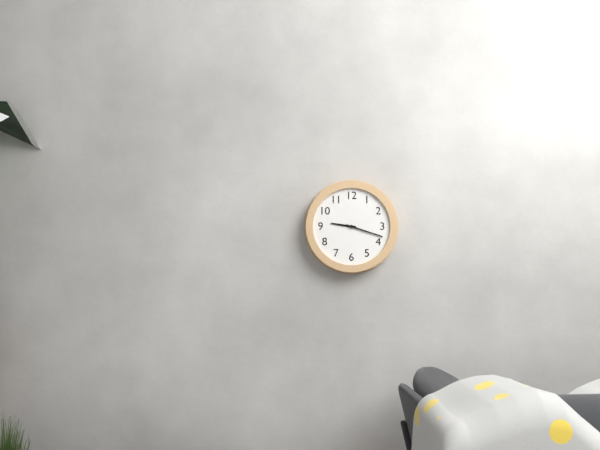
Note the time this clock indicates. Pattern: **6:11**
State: **9:18**
